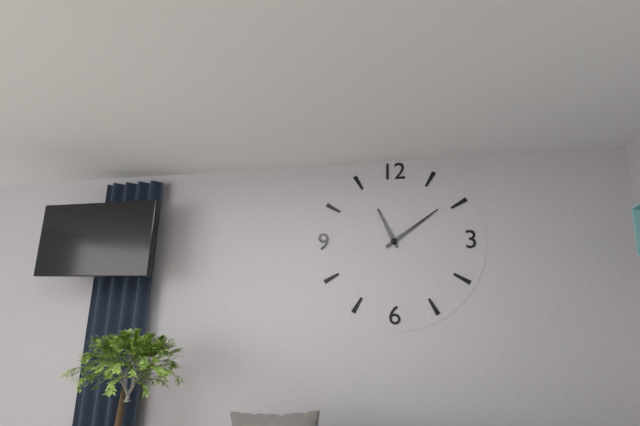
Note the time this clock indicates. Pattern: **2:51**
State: **11:09**
